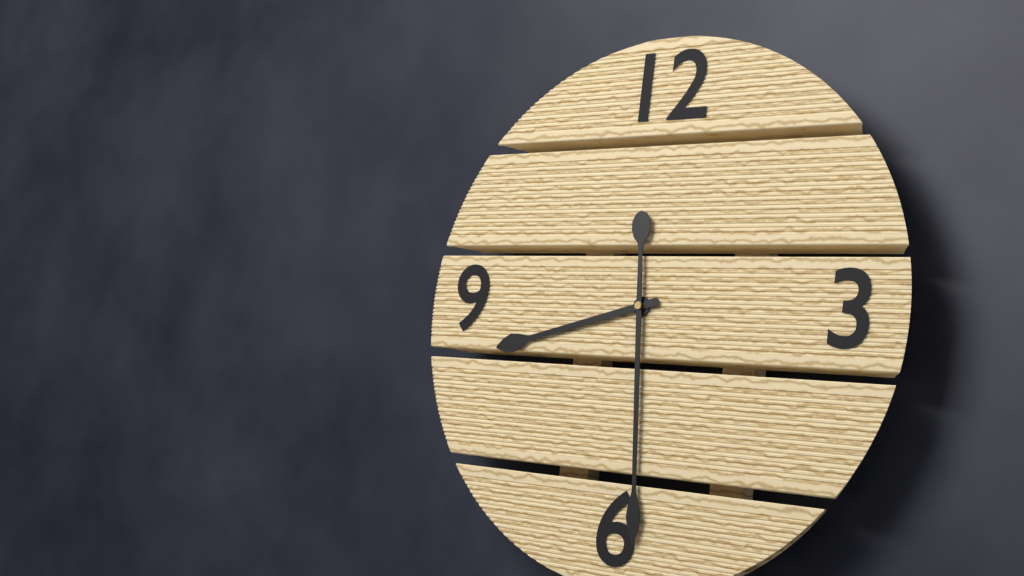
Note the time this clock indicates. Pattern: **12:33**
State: **8:29**
